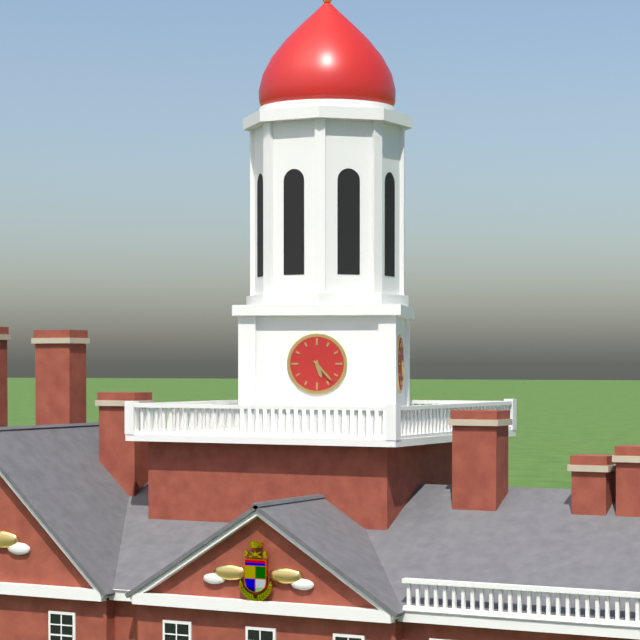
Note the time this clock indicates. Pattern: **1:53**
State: **5:23**
